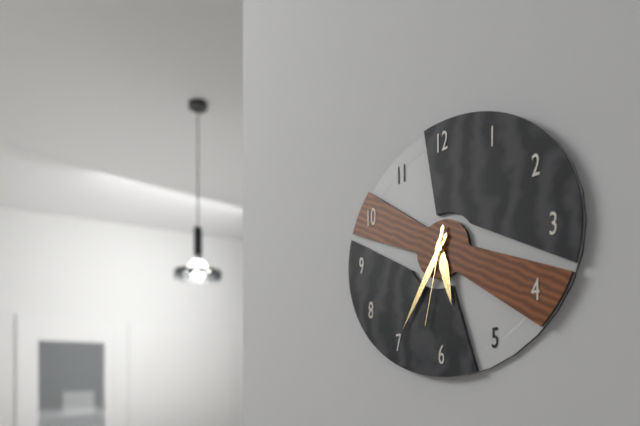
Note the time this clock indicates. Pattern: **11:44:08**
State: **5:35:32**
